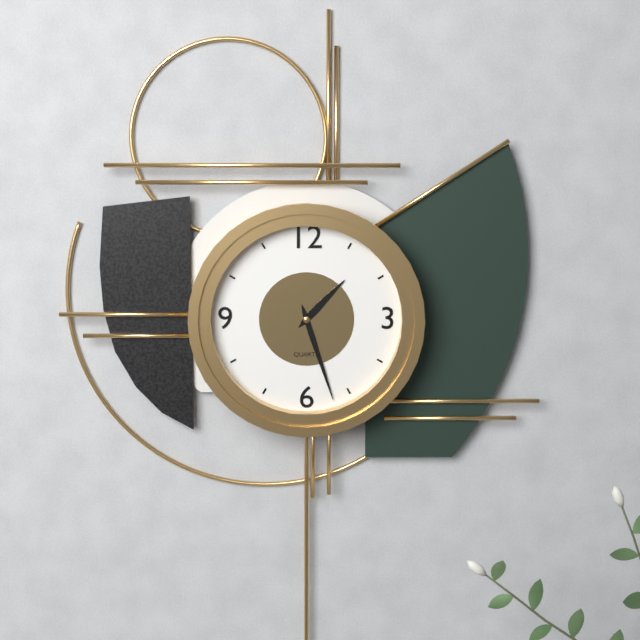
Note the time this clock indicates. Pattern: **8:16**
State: **1:27**
